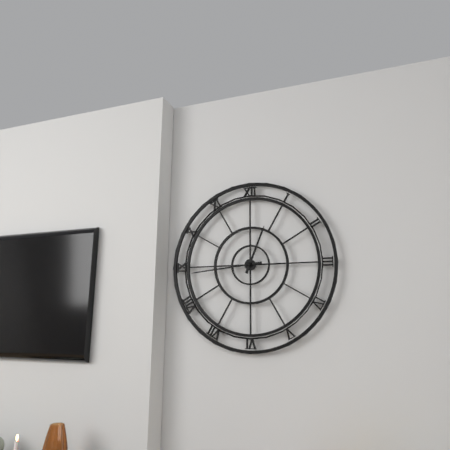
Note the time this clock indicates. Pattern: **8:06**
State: **12:44**
